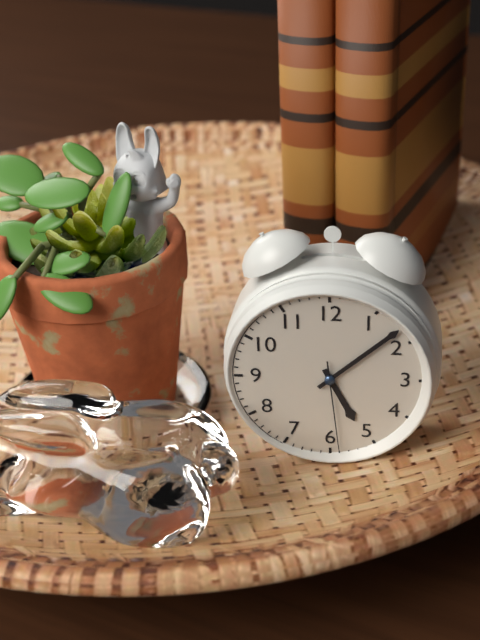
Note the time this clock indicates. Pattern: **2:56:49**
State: **5:08:29**
